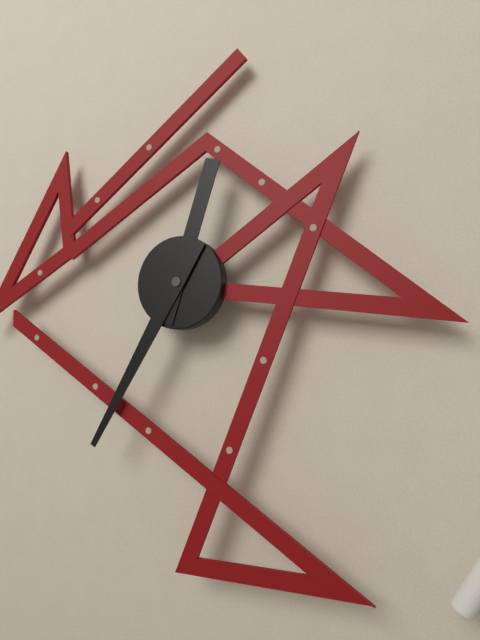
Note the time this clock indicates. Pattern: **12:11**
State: **12:35**
